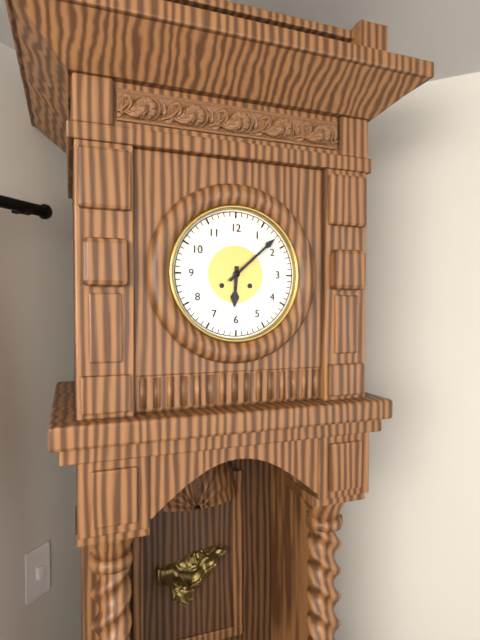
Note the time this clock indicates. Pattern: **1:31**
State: **6:08**
